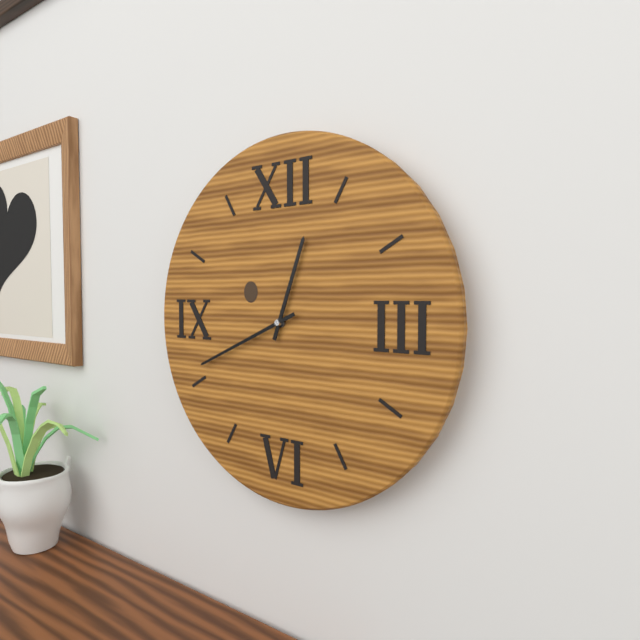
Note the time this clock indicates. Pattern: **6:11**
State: **12:41**
